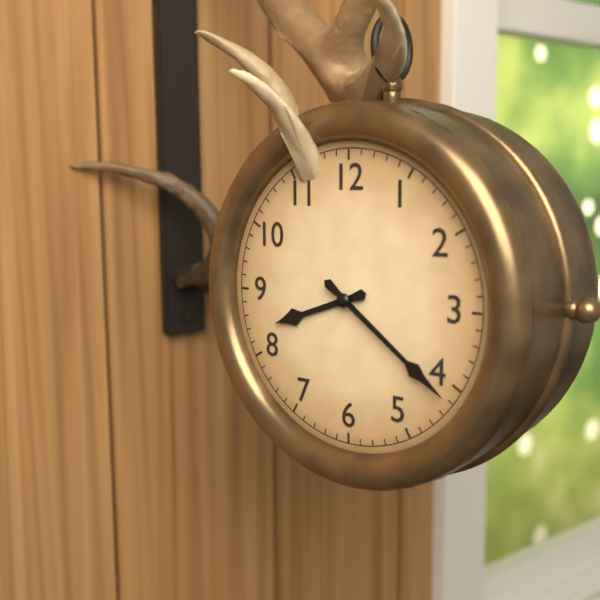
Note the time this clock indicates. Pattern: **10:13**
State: **8:21**
